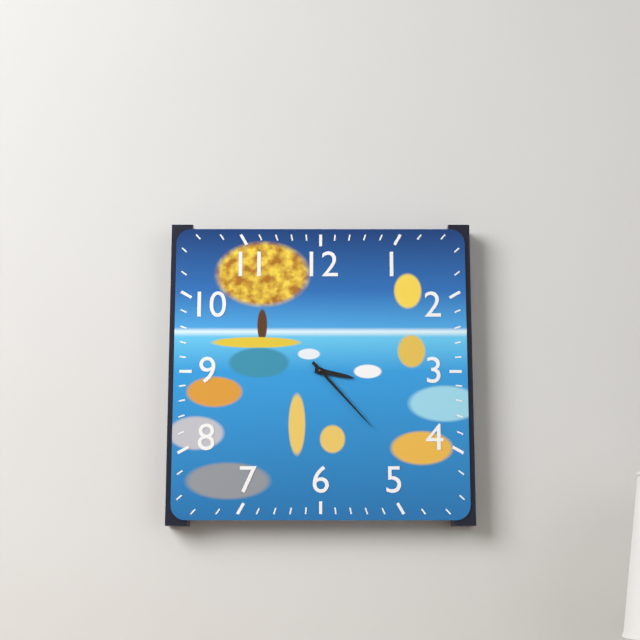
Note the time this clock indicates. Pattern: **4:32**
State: **3:23**
